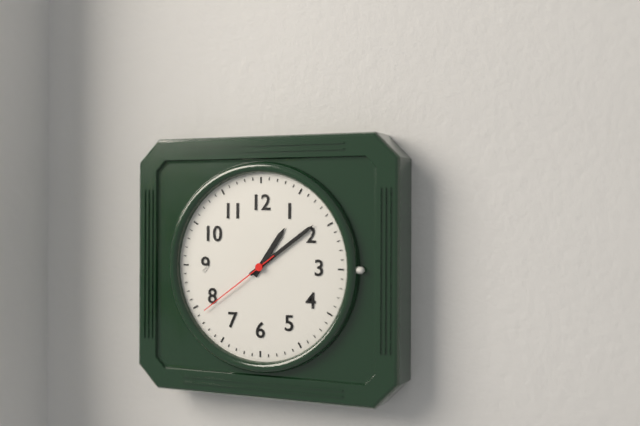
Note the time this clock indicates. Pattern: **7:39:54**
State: **1:09:39**
